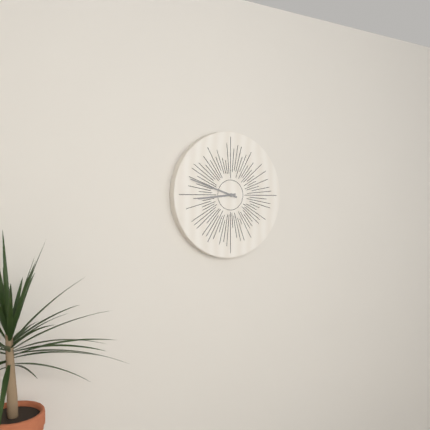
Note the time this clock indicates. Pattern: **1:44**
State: **8:48**
